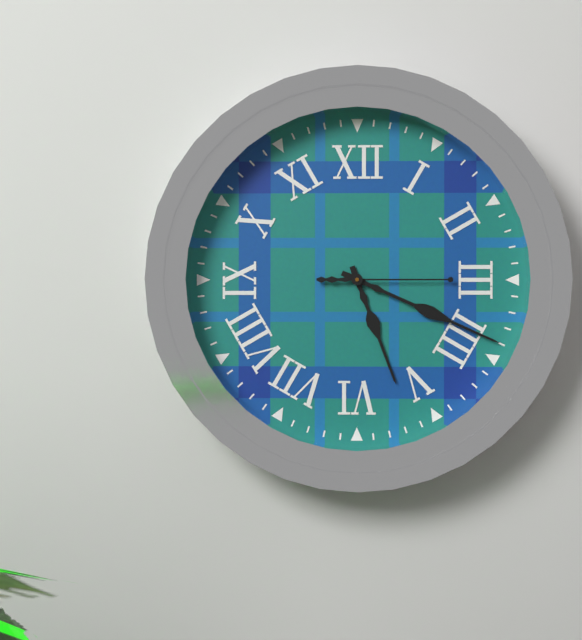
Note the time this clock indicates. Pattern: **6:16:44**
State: **5:19:15**
